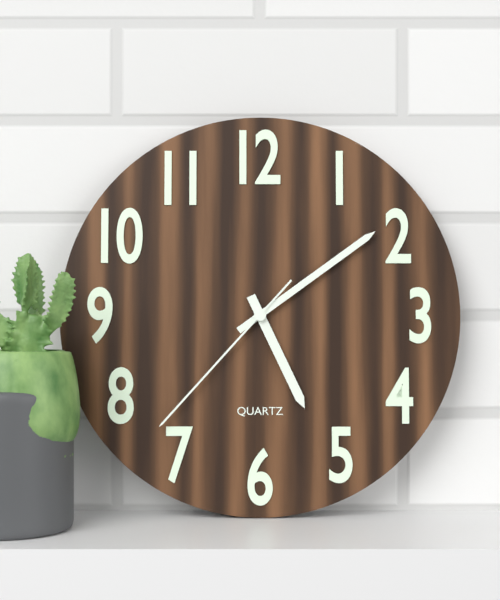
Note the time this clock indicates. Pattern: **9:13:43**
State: **5:09:37**
